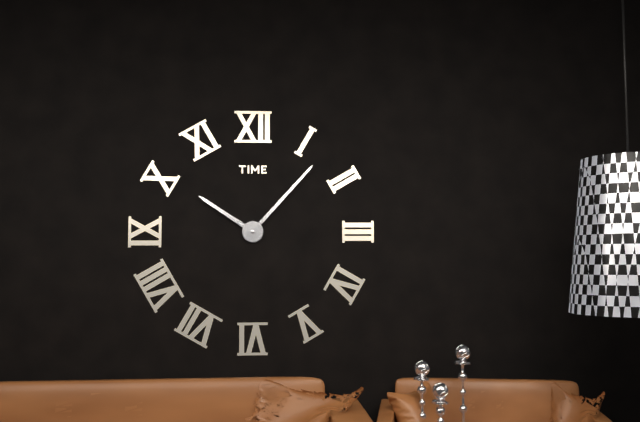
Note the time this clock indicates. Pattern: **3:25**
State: **10:07**
